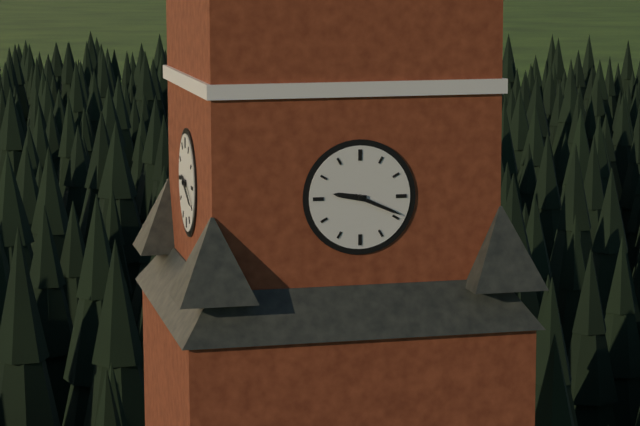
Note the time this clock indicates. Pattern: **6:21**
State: **9:19**
